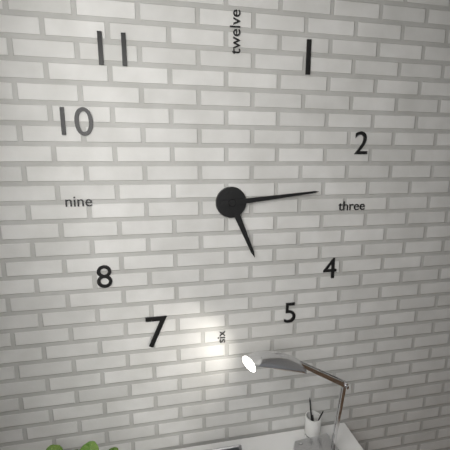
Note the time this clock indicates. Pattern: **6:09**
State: **5:14**
